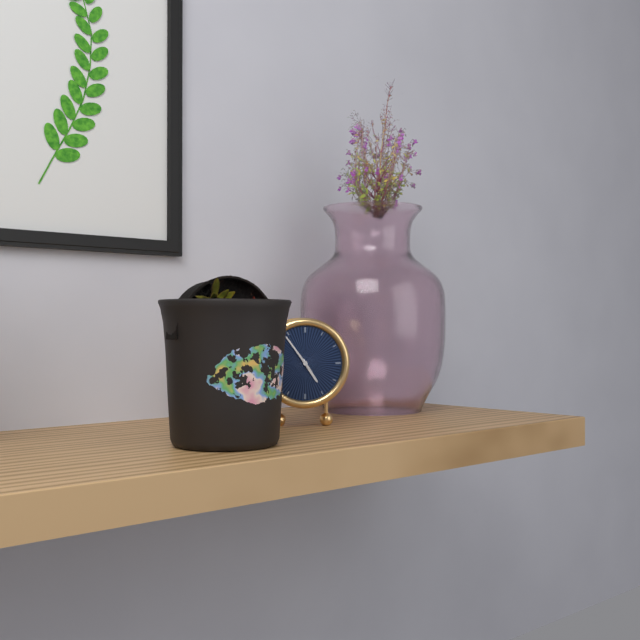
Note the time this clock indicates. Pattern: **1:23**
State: **4:54**
